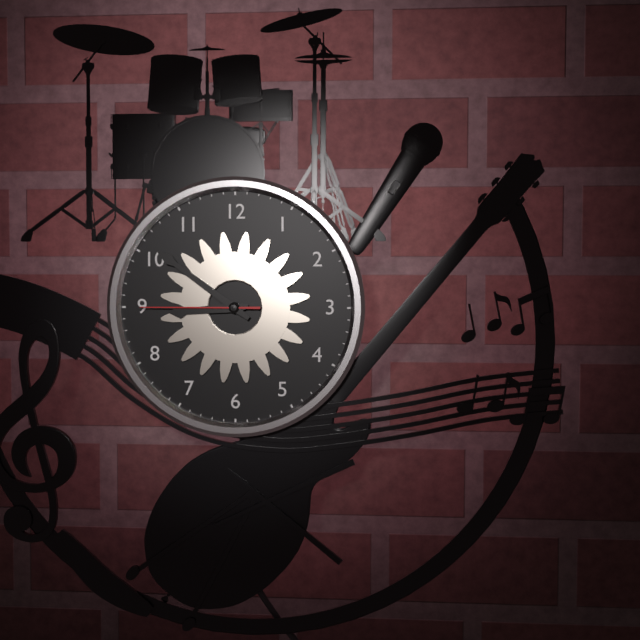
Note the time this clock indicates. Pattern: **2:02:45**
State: **8:51:45**
